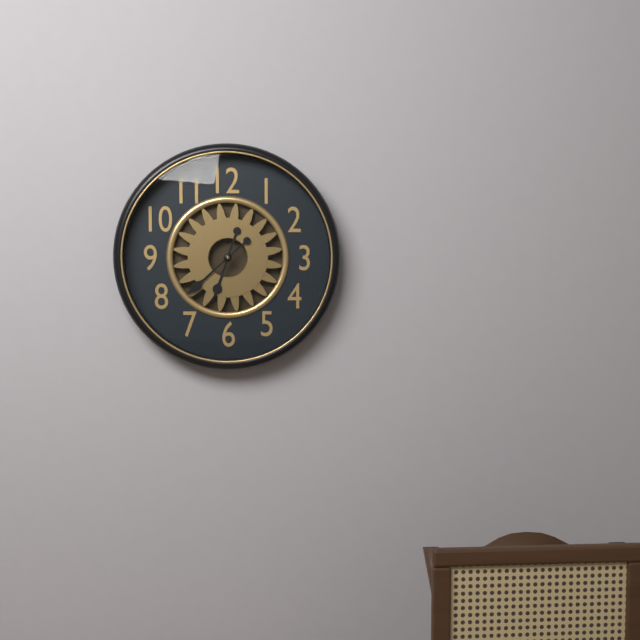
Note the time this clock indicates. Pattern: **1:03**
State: **6:38**
